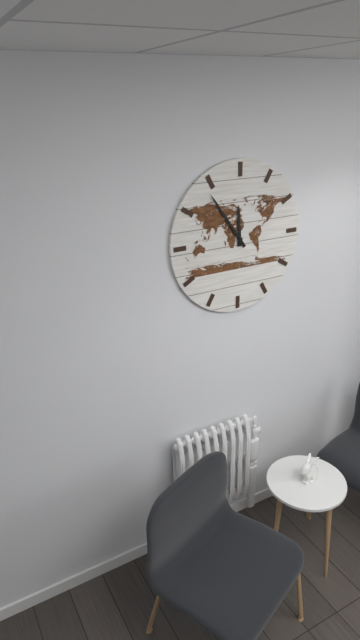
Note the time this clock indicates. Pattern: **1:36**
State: **11:54**
